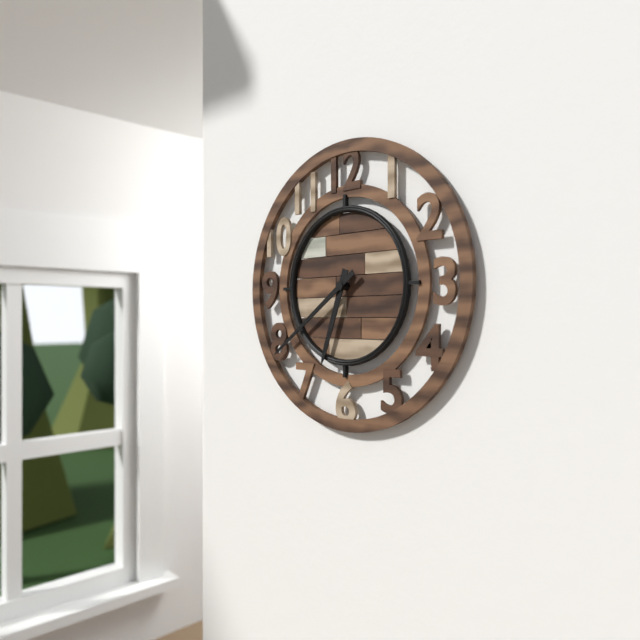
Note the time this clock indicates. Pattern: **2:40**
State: **6:39**
